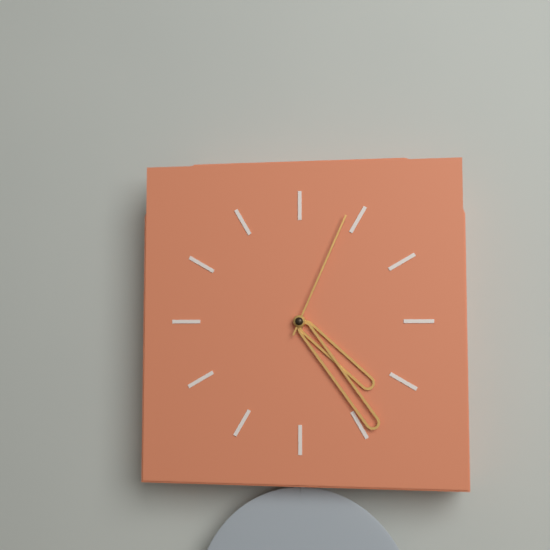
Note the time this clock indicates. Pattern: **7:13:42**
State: **4:24:04**
